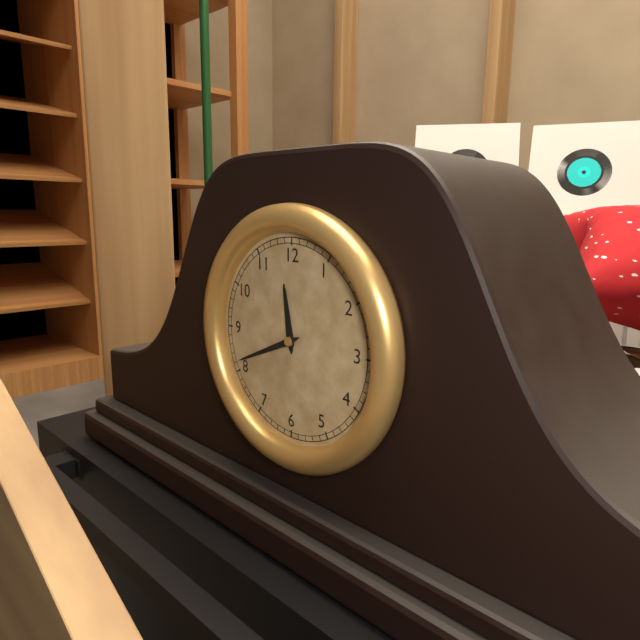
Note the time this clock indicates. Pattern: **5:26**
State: **11:41**
